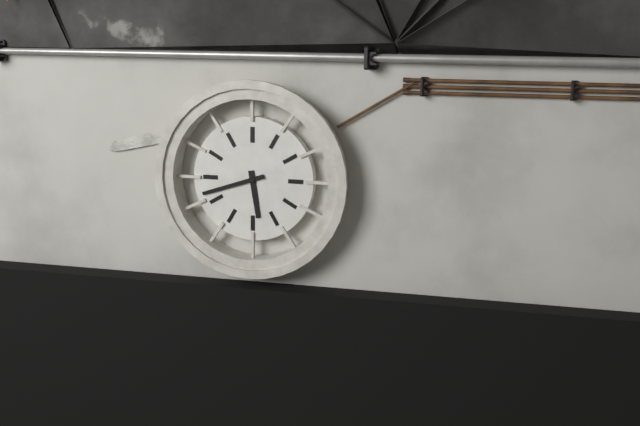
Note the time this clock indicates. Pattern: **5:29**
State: **5:42**
